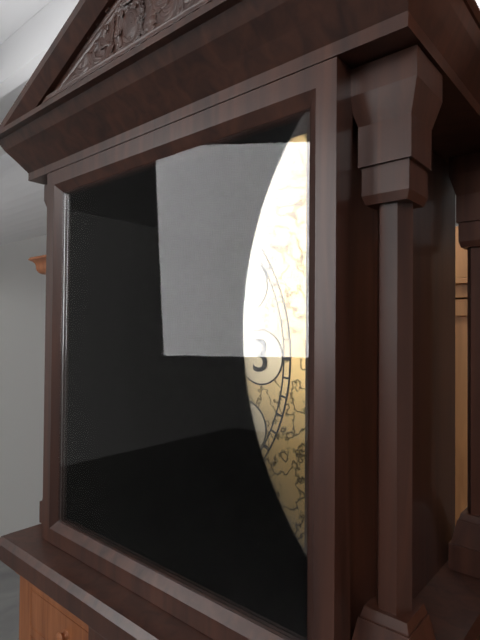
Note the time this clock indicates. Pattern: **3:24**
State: **10:59**
